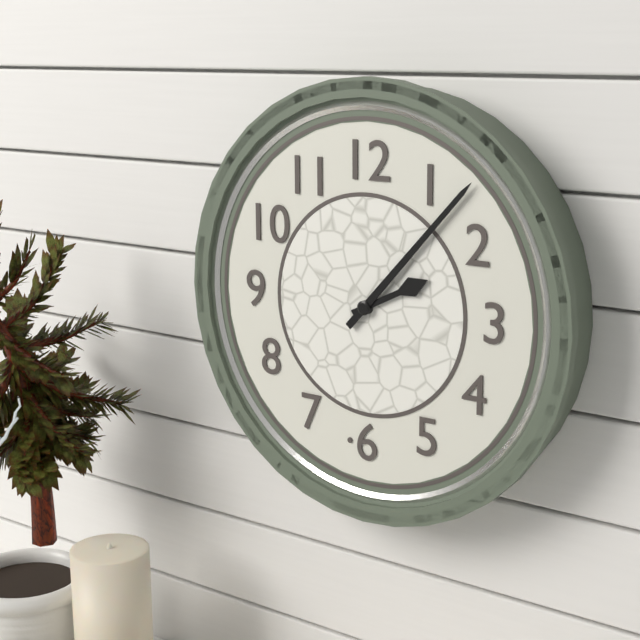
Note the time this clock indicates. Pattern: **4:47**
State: **2:07**
